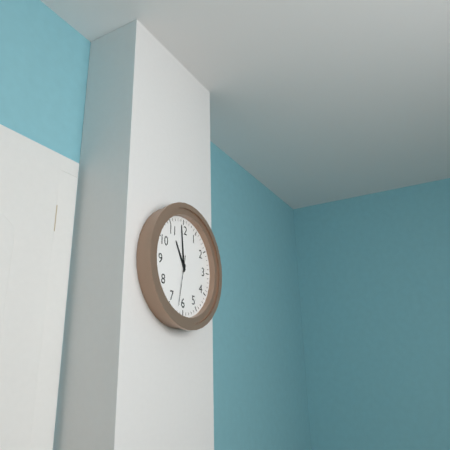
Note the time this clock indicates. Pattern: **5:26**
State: **10:59**
